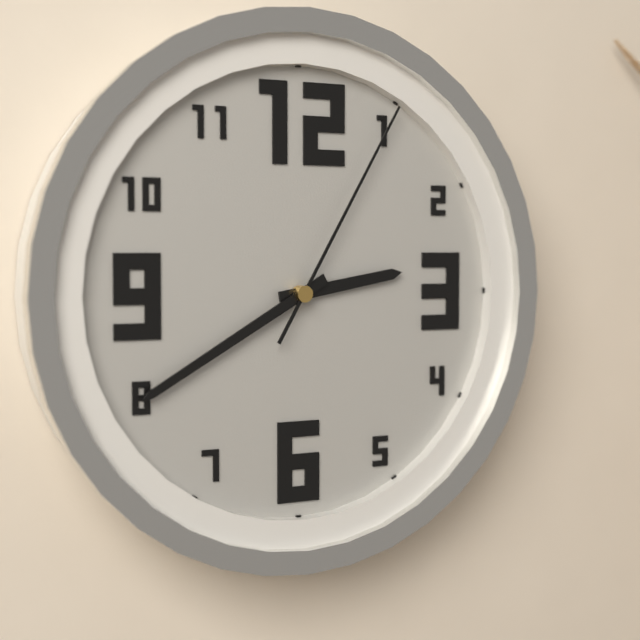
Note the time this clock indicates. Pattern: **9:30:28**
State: **2:40:05**
